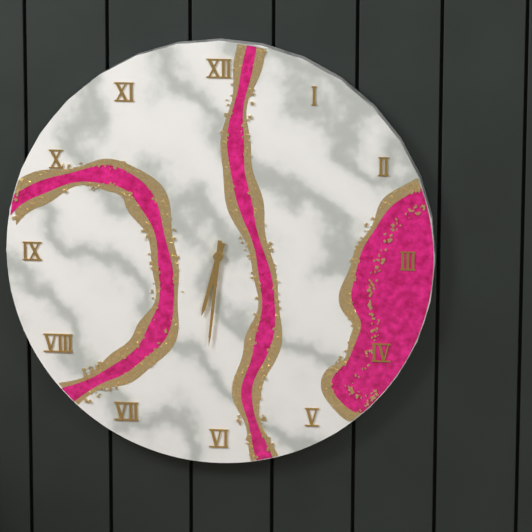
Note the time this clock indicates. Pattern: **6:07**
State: **6:31**
